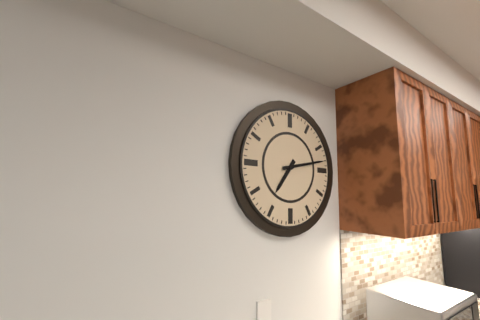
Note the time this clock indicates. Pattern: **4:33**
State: **7:13**
